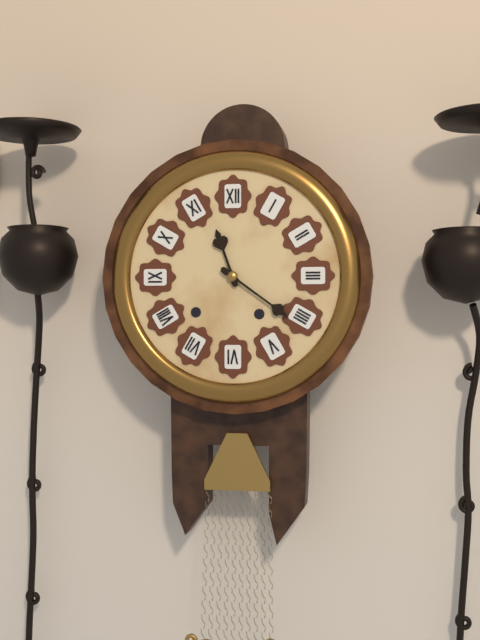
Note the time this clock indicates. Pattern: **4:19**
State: **11:21**
